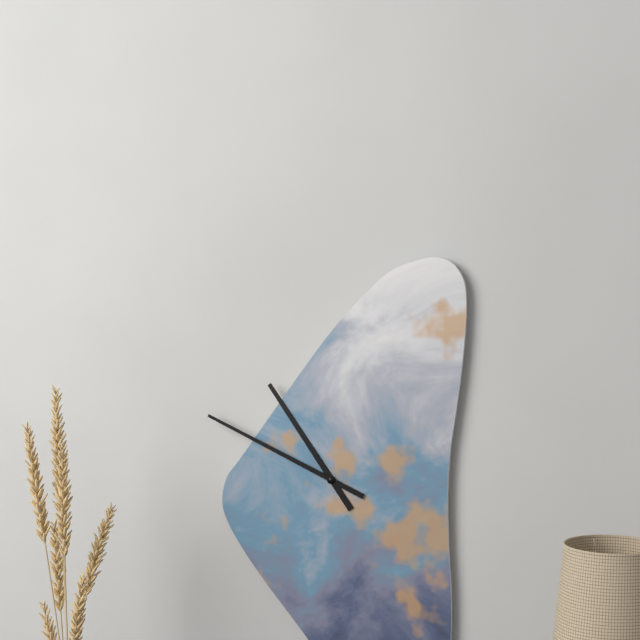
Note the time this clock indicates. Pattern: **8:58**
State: **10:49**
